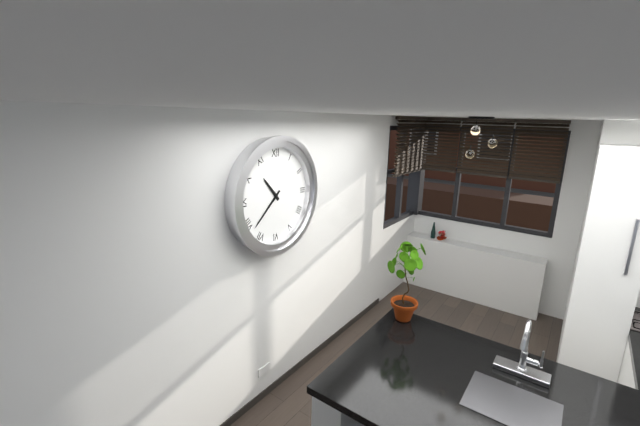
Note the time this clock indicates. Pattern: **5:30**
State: **10:38**
